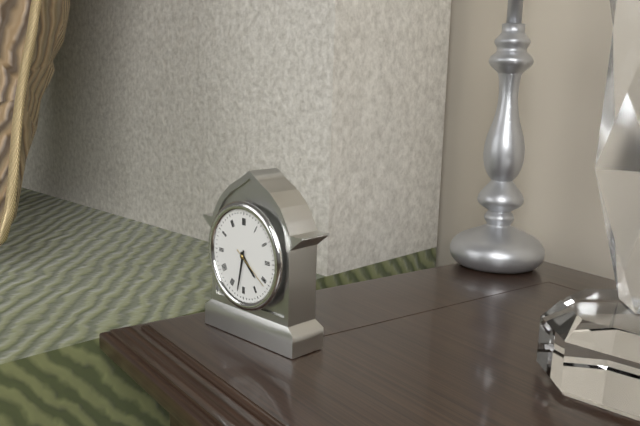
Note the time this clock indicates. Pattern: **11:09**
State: **4:32**
